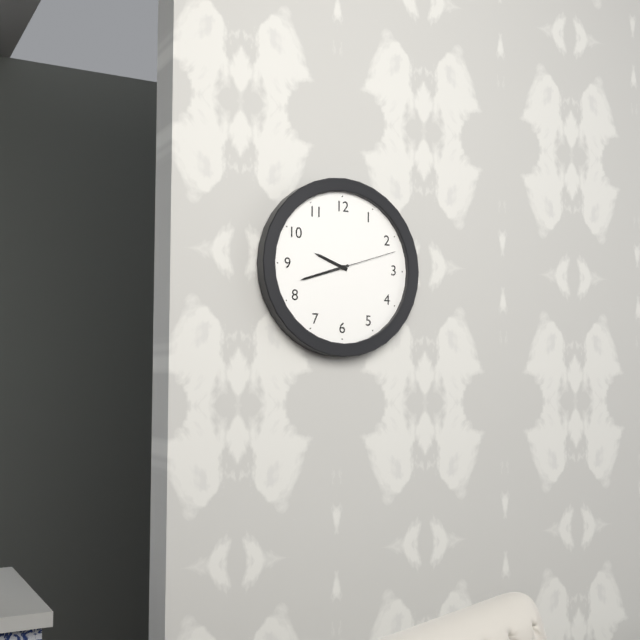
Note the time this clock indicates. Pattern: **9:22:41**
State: **9:42:12**
